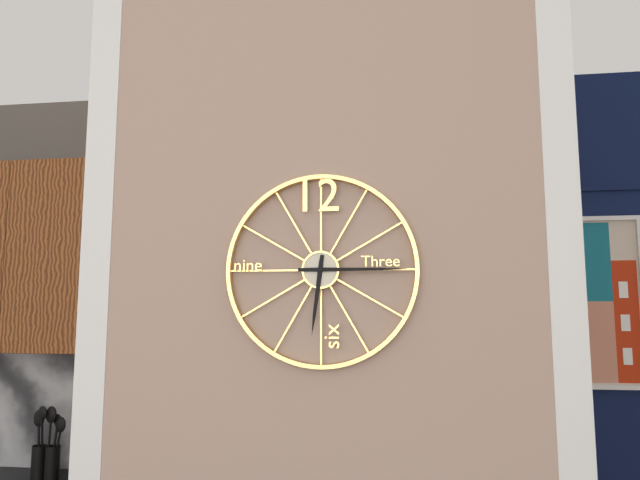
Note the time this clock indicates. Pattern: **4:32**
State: **6:15**
